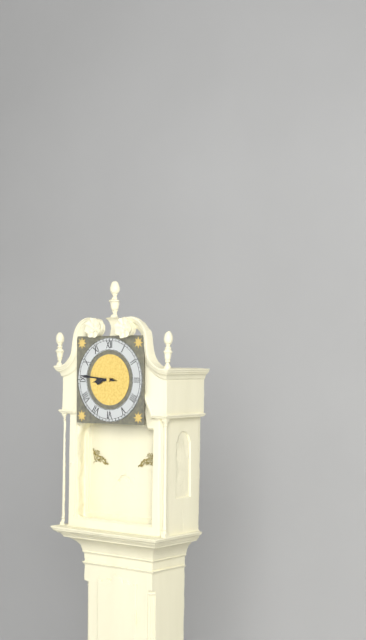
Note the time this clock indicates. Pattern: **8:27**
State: **8:46**
